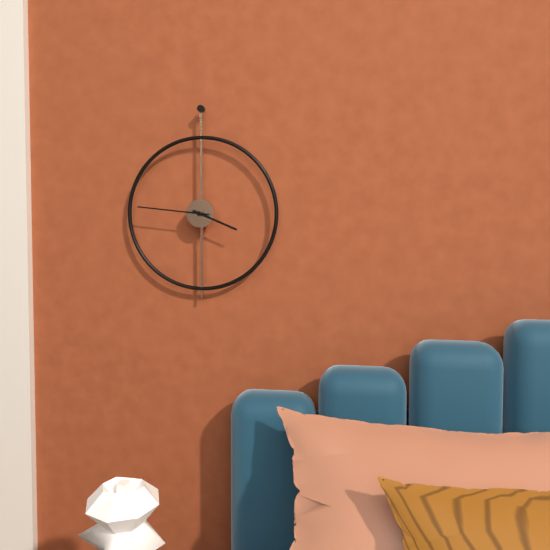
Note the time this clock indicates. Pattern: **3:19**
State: **3:46**
